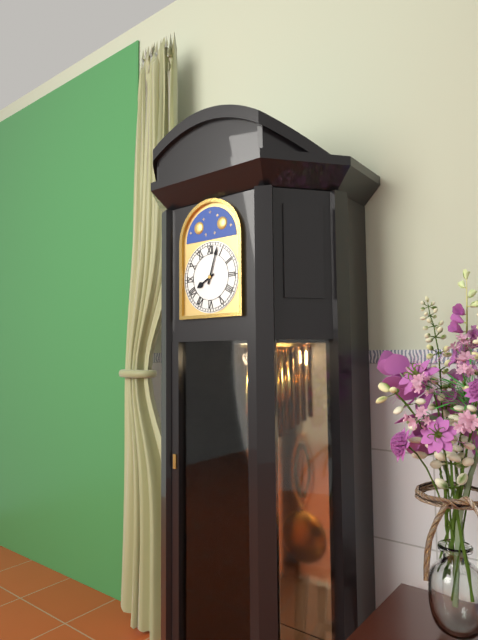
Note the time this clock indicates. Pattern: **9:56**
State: **8:03**
